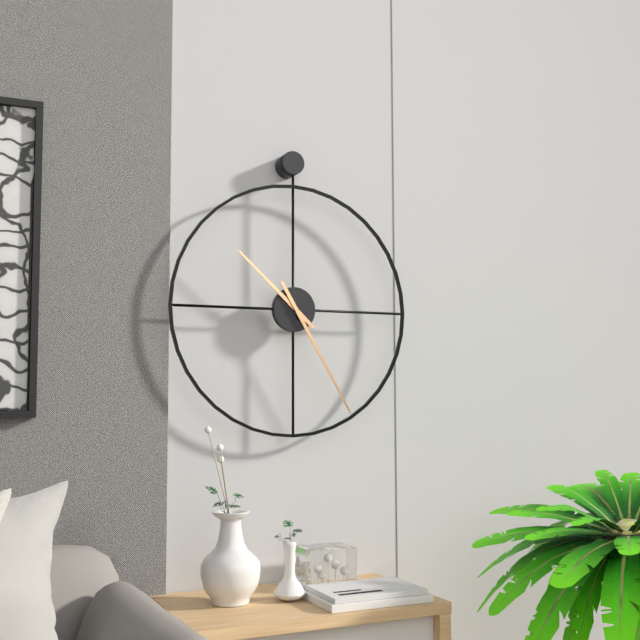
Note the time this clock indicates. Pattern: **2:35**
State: **10:25**
